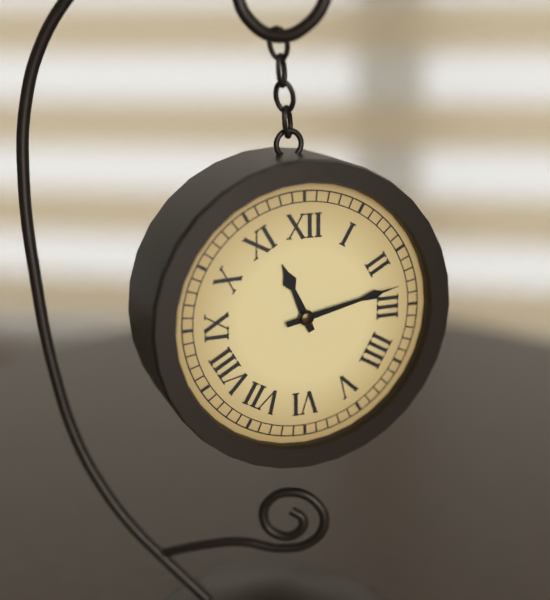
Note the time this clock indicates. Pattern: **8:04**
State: **11:13**
